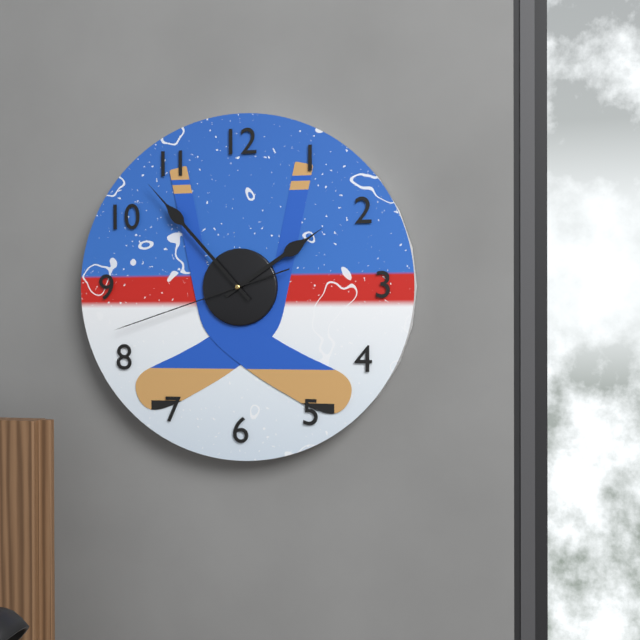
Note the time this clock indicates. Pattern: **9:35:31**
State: **1:53:42**
